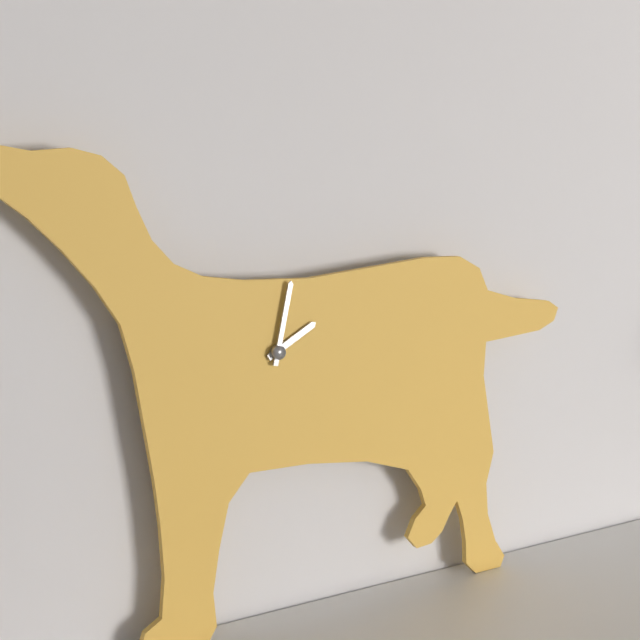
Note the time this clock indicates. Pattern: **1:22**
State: **2:02**
